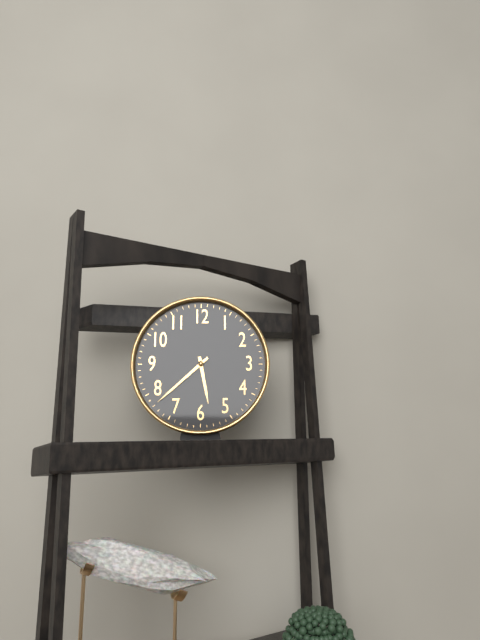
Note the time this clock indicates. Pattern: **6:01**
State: **5:38**
